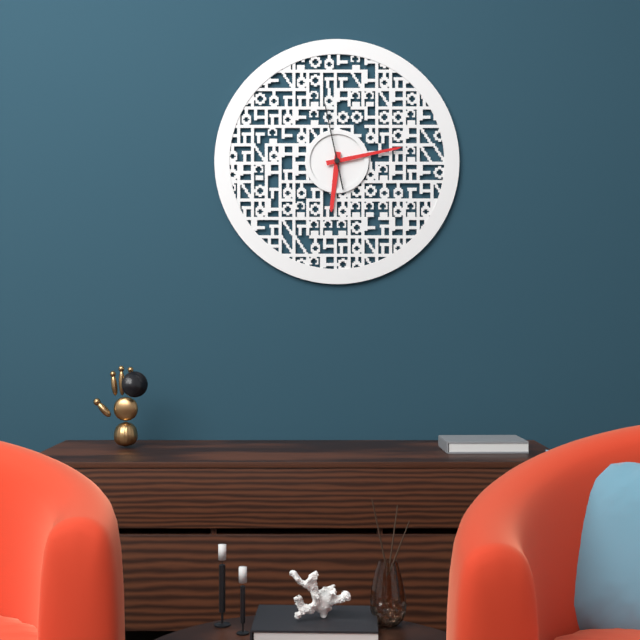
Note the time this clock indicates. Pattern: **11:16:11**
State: **6:13:58**
